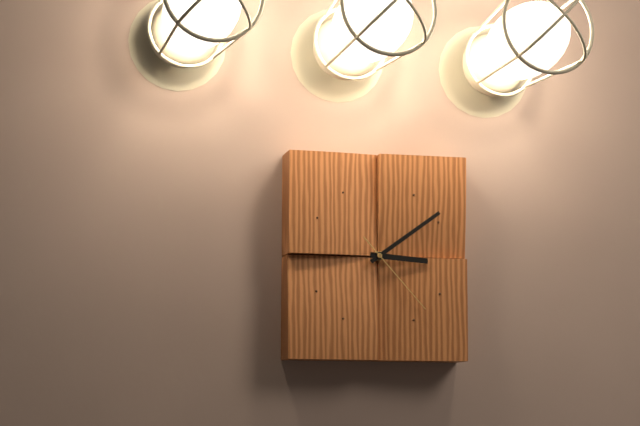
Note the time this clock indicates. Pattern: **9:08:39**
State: **3:09:23**
